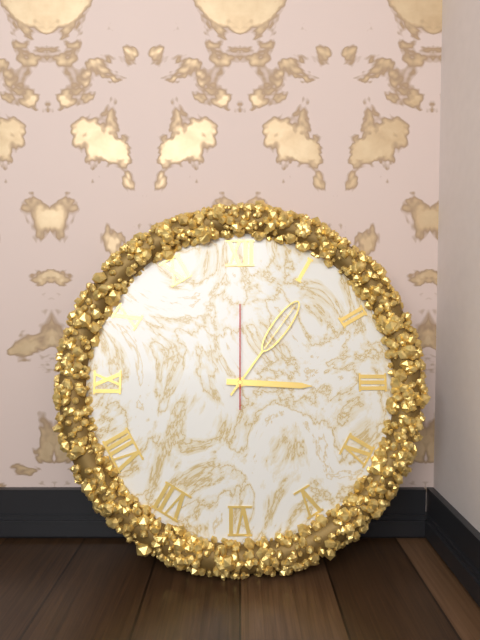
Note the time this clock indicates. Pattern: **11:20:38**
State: **3:06:00**
